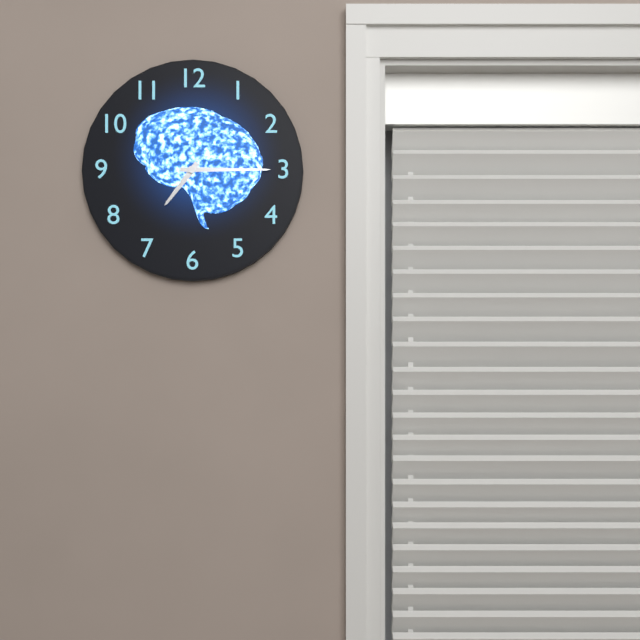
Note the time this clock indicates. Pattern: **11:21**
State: **7:15**
